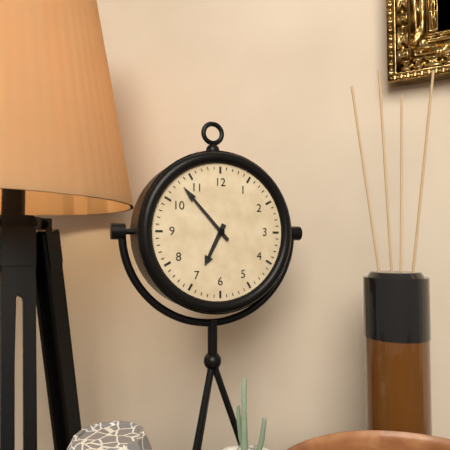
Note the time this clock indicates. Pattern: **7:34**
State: **6:53**
